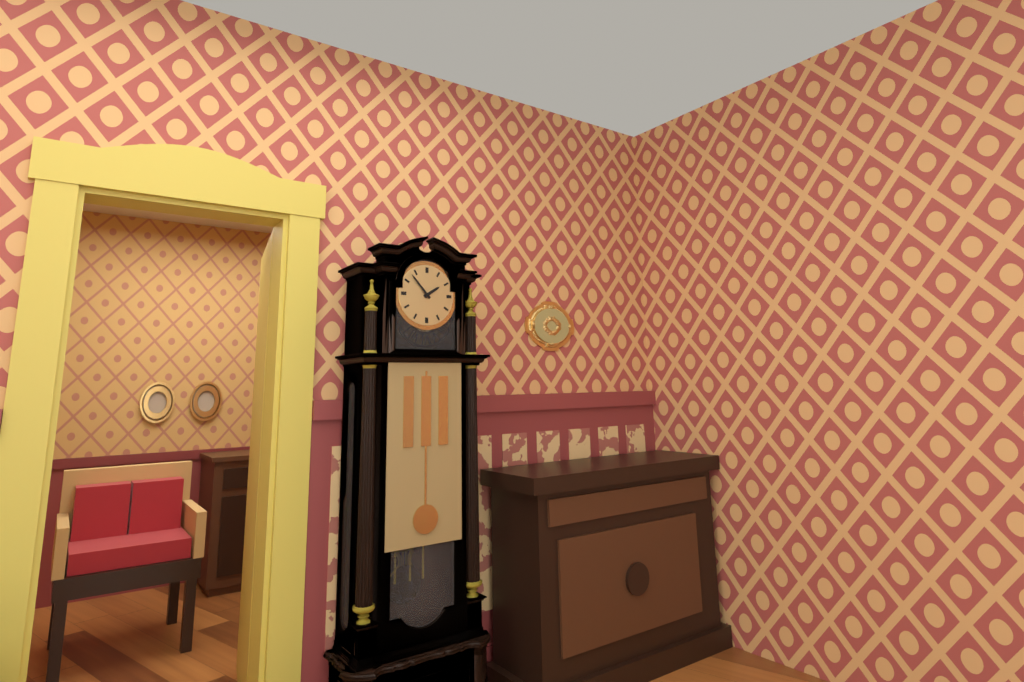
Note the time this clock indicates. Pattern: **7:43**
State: **1:53**
